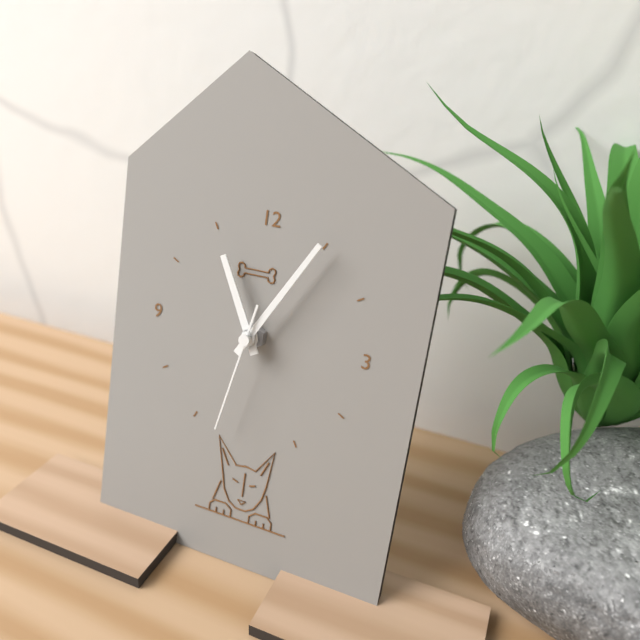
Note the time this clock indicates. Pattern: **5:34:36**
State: **11:05:32**
